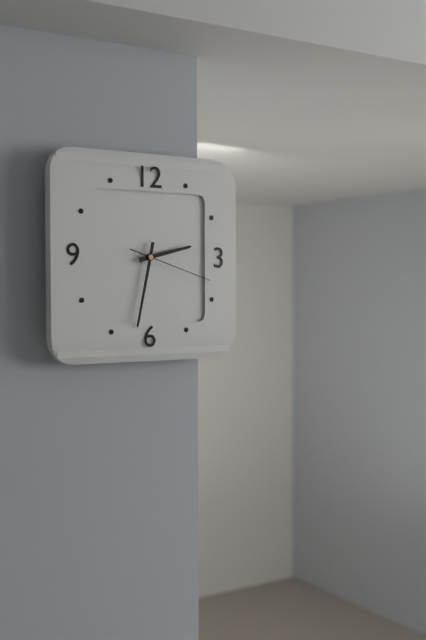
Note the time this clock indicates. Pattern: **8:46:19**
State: **2:32:18**
